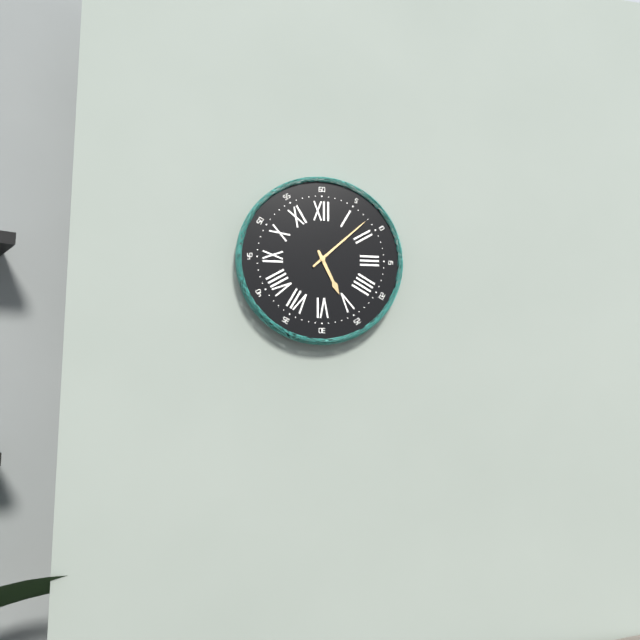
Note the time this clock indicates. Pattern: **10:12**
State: **5:08**
